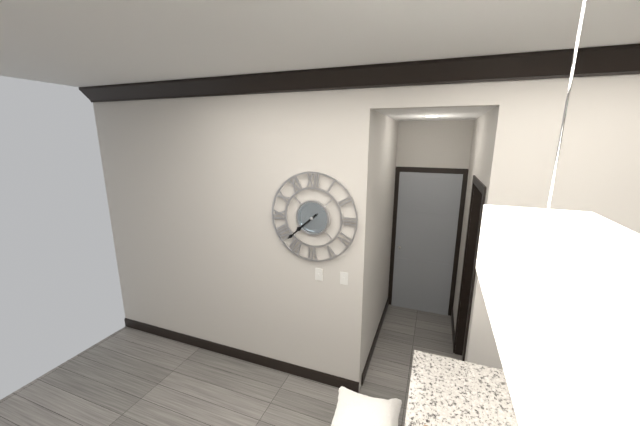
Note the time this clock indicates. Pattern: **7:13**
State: **7:38**
